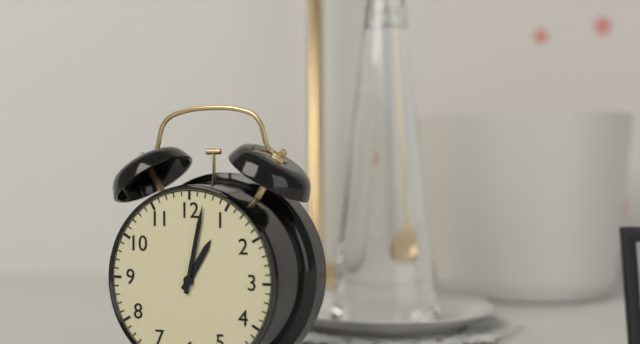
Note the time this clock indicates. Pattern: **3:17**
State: **1:02**
